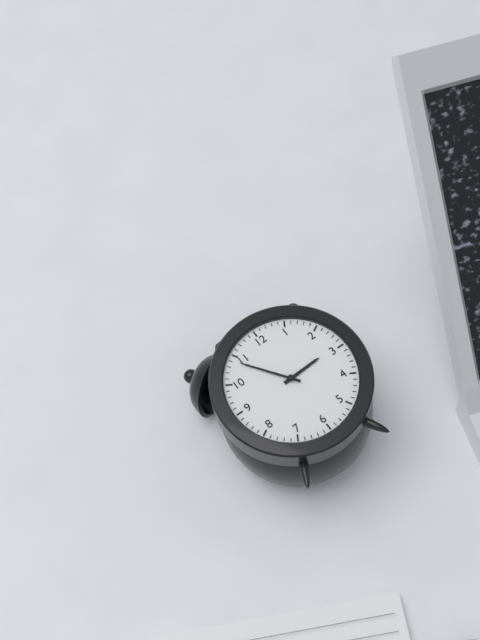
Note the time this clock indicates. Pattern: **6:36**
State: **2:54**
